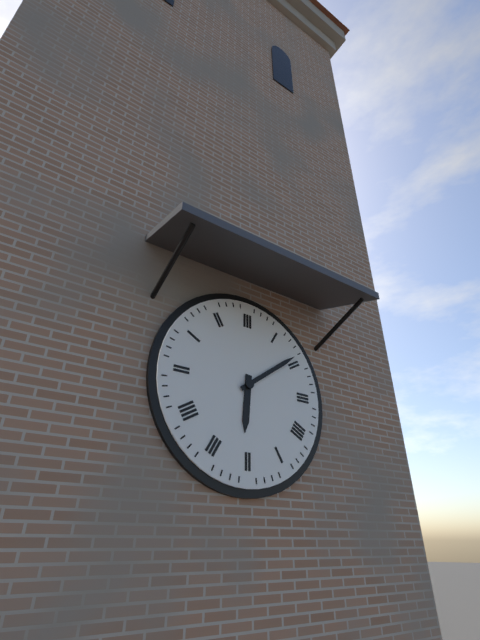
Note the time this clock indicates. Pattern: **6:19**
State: **6:09**
